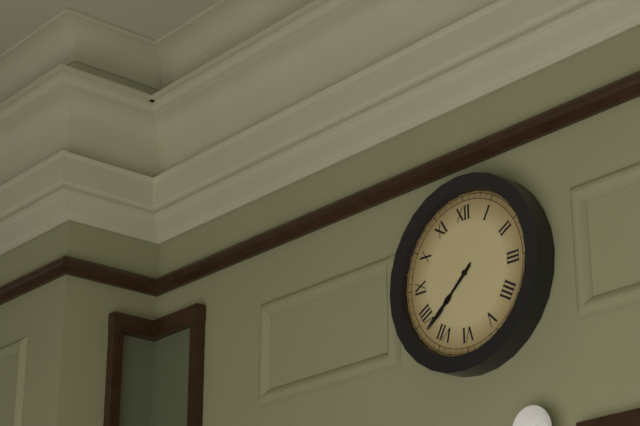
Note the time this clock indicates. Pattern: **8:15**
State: **7:38**
